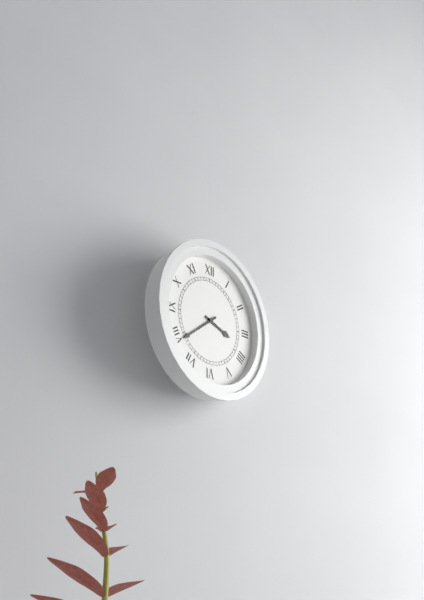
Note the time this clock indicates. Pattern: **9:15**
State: **3:39**
